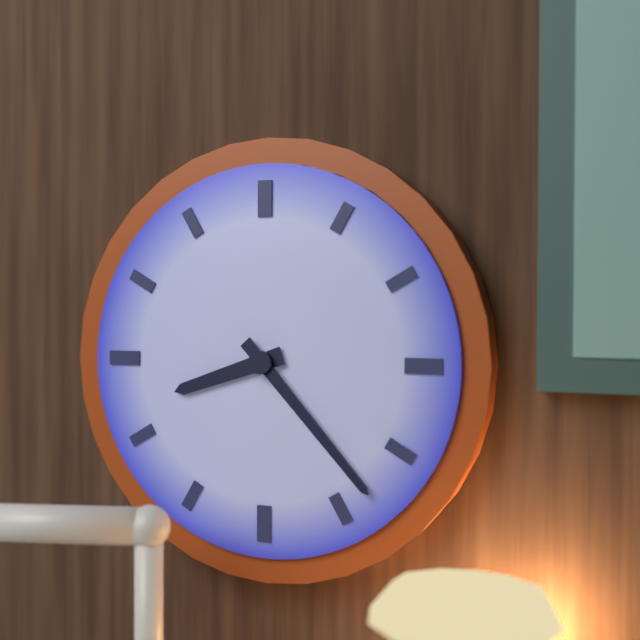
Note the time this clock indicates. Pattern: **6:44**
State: **8:23**
